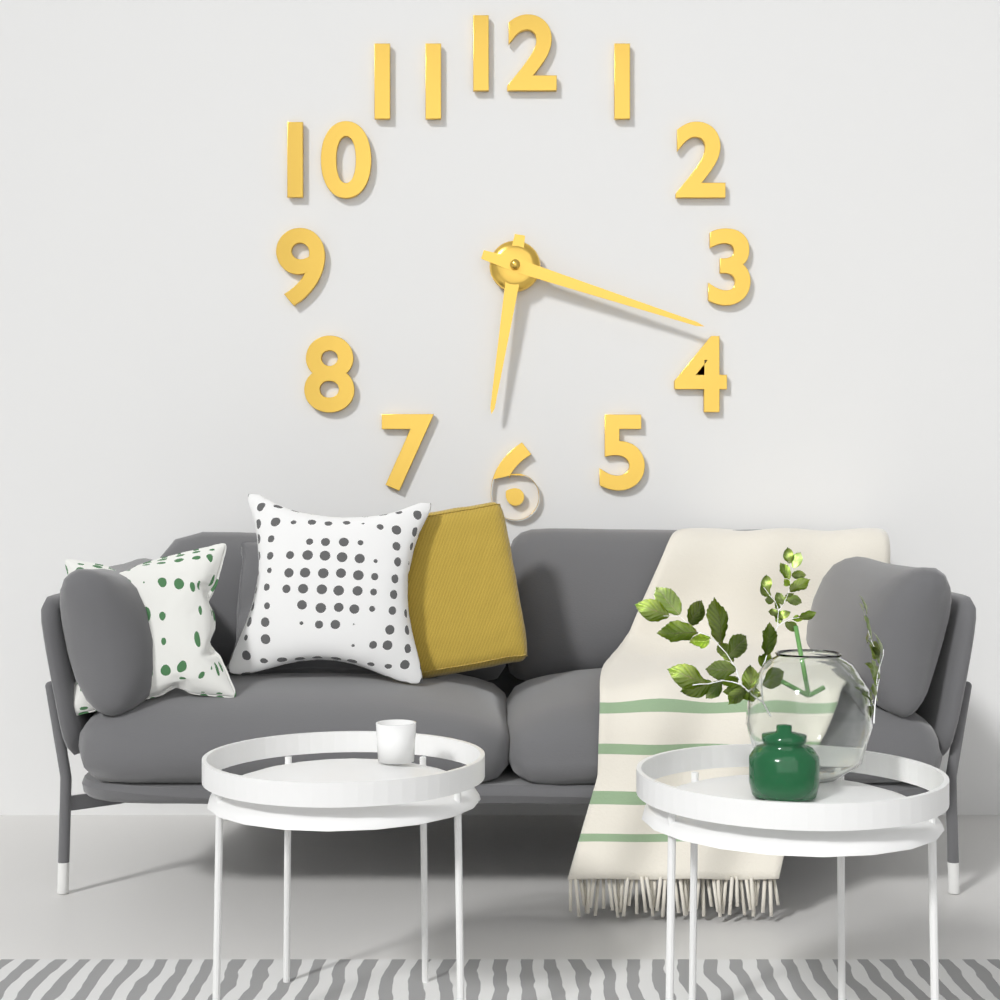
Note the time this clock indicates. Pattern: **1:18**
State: **6:18**
